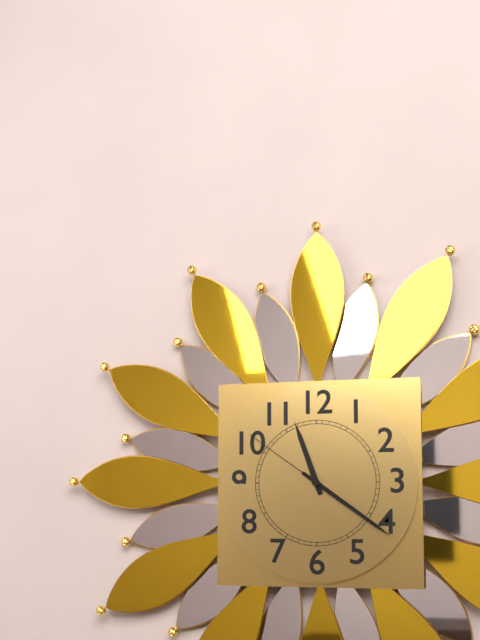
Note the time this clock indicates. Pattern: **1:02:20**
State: **11:21:51**
